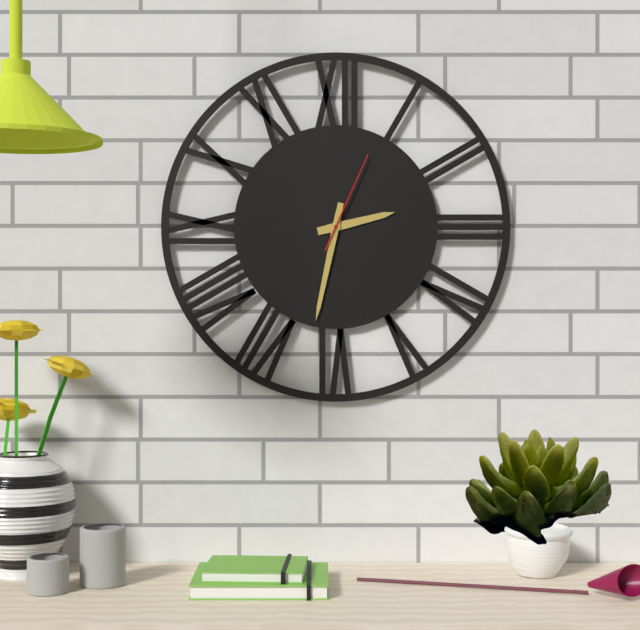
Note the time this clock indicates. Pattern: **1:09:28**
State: **2:32:04**
